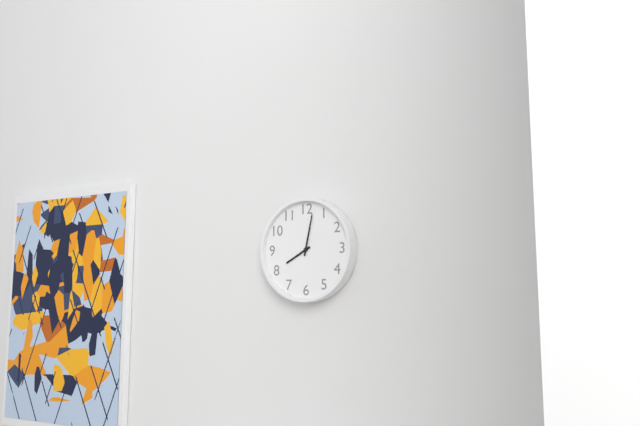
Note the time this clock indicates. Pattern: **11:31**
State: **8:02**
